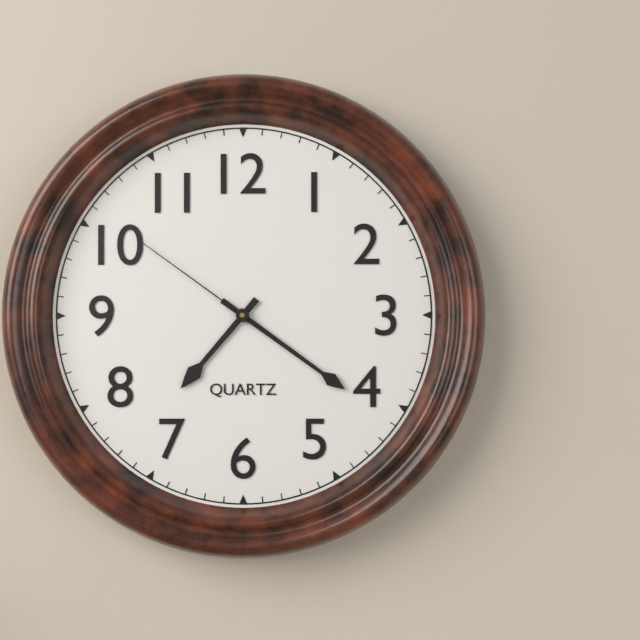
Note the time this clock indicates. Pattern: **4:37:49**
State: **7:21:51**
